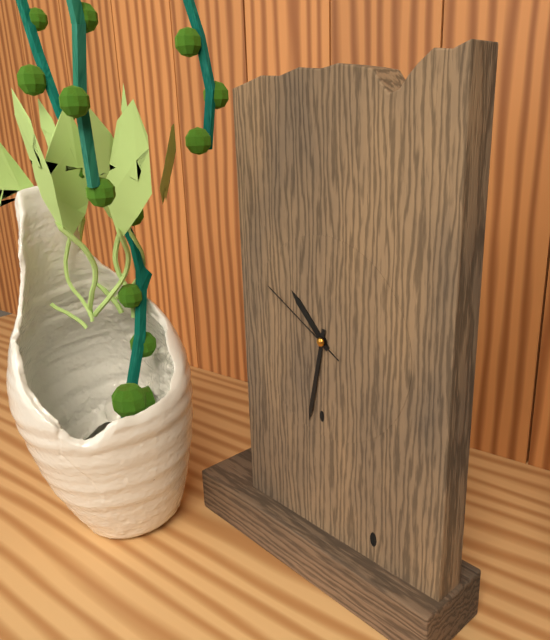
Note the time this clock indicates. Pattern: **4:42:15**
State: **10:32:50**
